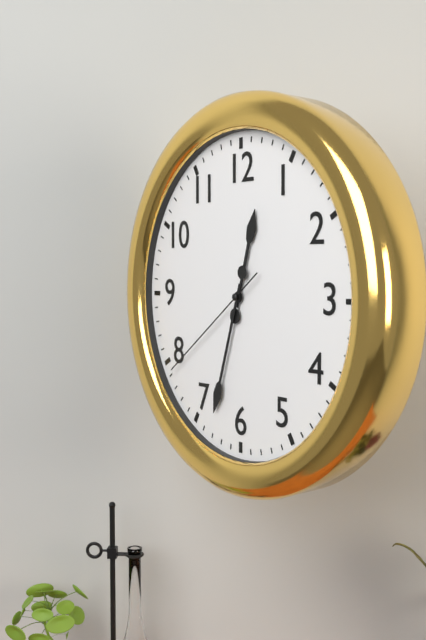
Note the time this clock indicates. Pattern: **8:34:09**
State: **12:33:39**
